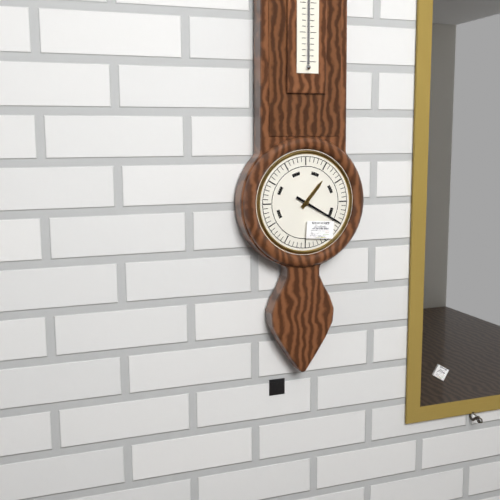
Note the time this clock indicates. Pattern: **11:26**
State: **1:20**
